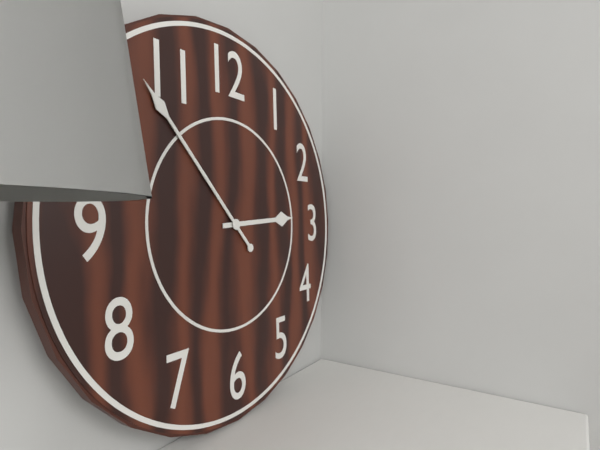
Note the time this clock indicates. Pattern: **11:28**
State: **2:53**
